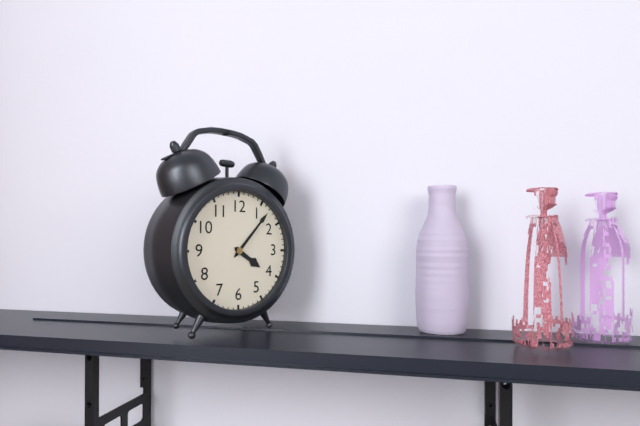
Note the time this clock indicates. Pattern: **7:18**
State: **4:07**
